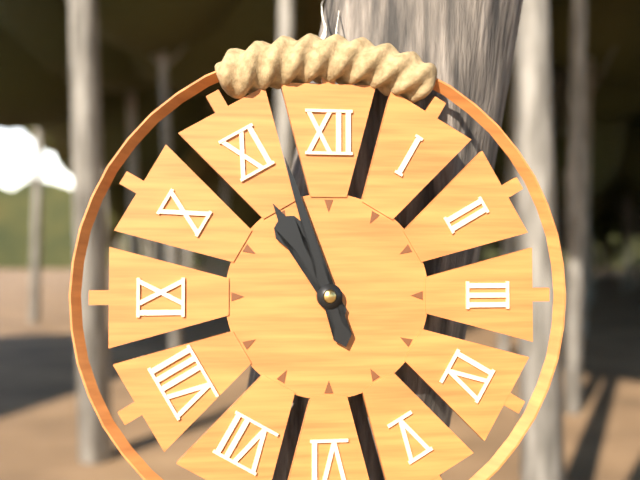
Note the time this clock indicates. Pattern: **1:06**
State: **10:57**
